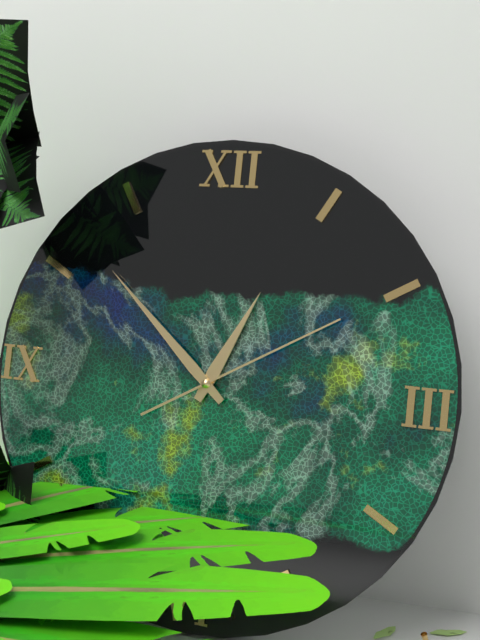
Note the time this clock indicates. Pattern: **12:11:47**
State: **12:52:10**
